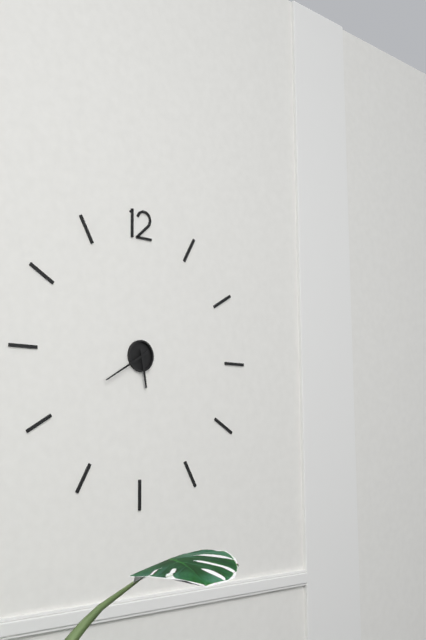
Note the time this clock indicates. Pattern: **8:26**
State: **5:40**
